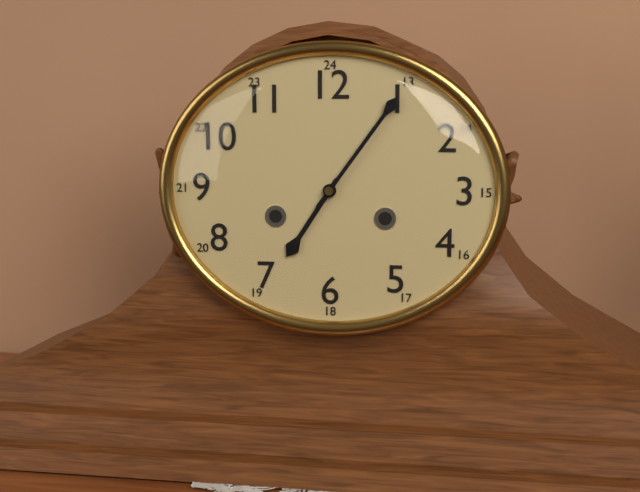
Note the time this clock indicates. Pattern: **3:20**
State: **7:06**
